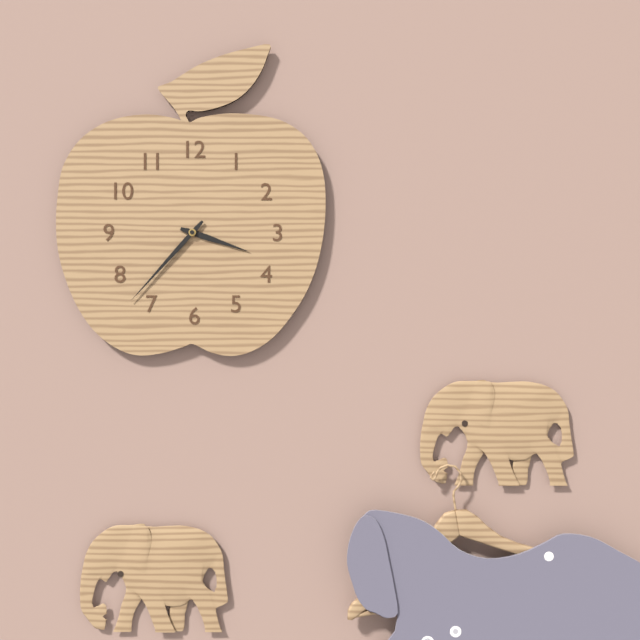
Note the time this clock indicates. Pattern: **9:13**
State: **3:37**
